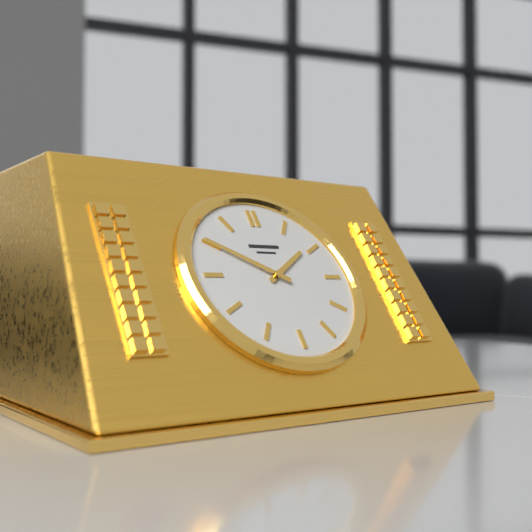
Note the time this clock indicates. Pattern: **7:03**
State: **1:50**
